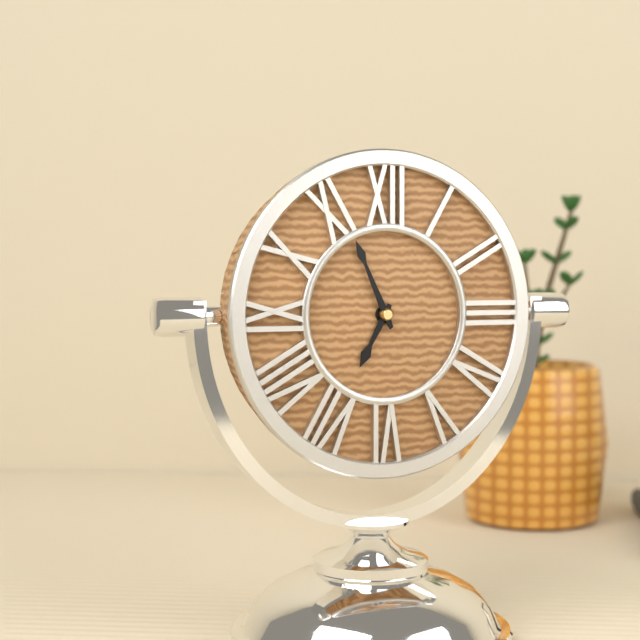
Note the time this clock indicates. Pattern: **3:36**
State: **6:56**
